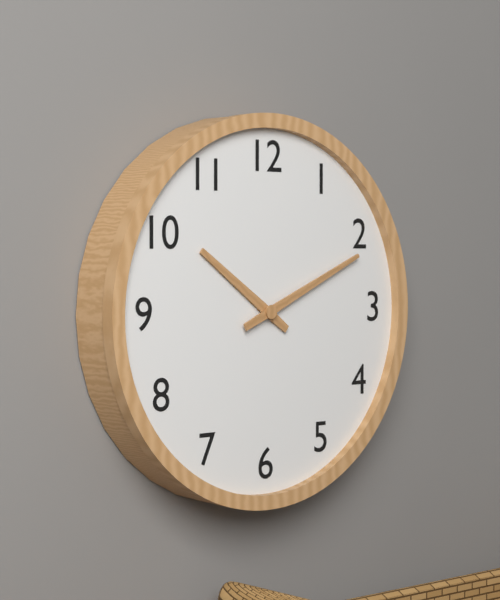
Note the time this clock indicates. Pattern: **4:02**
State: **10:11**
